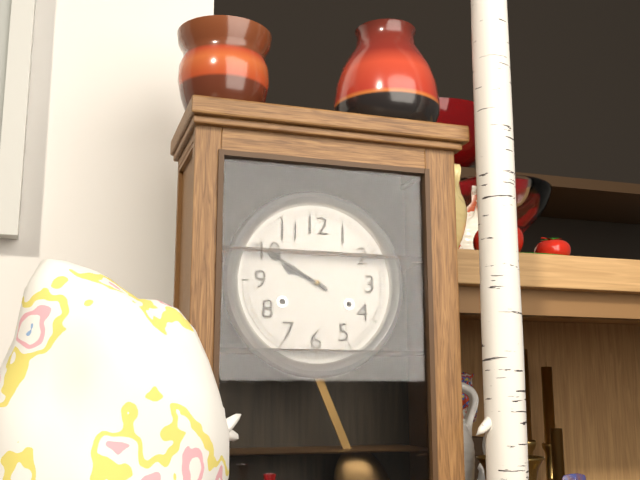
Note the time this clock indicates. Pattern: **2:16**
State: **9:50**
